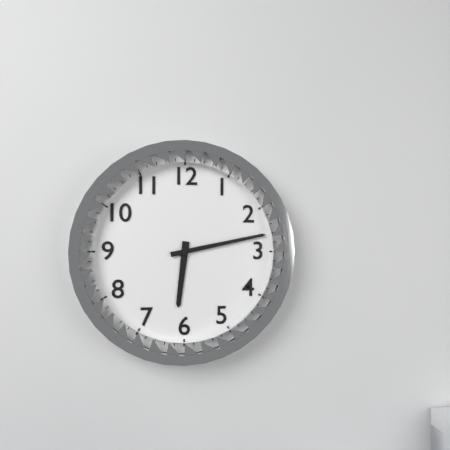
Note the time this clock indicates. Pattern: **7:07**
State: **6:13**
